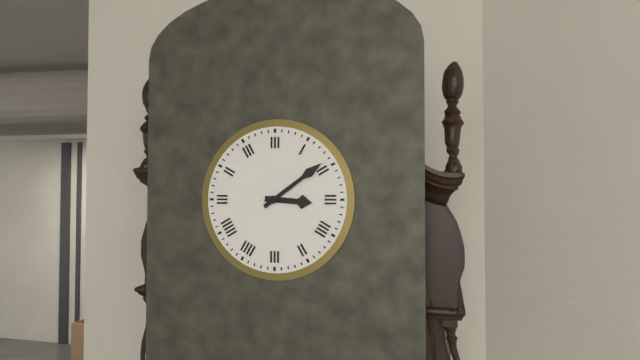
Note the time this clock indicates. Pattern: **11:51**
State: **3:09**
